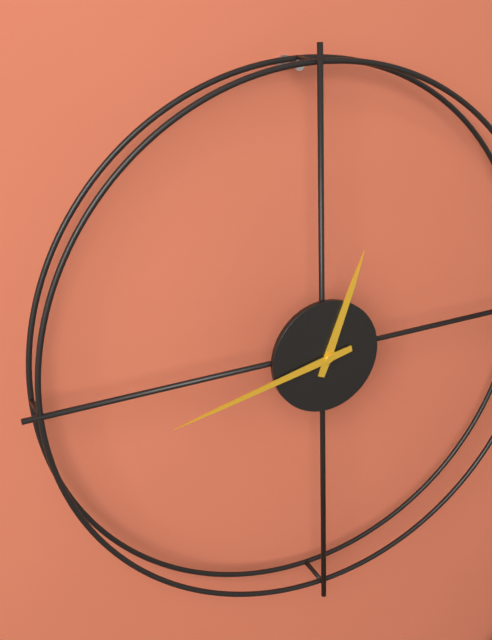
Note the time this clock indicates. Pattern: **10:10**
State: **12:43**
